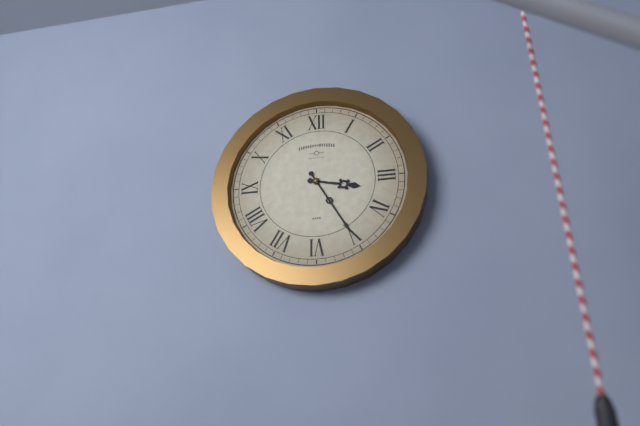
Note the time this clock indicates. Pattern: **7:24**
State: **3:25**
